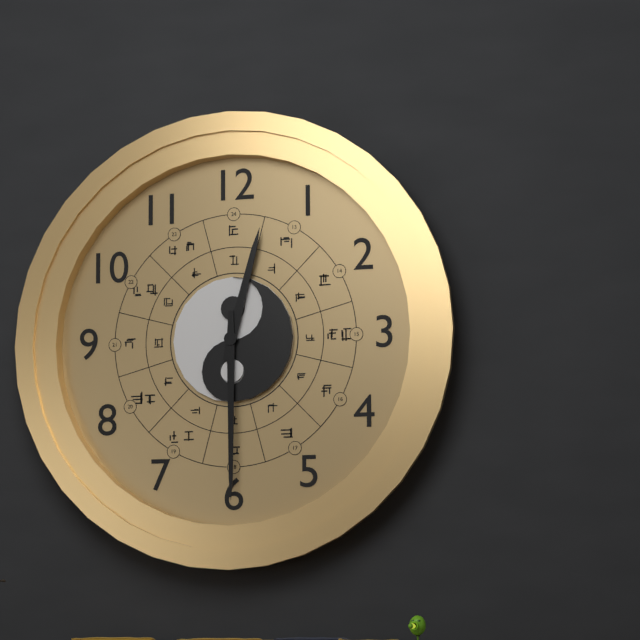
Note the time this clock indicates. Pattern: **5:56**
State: **12:30**
